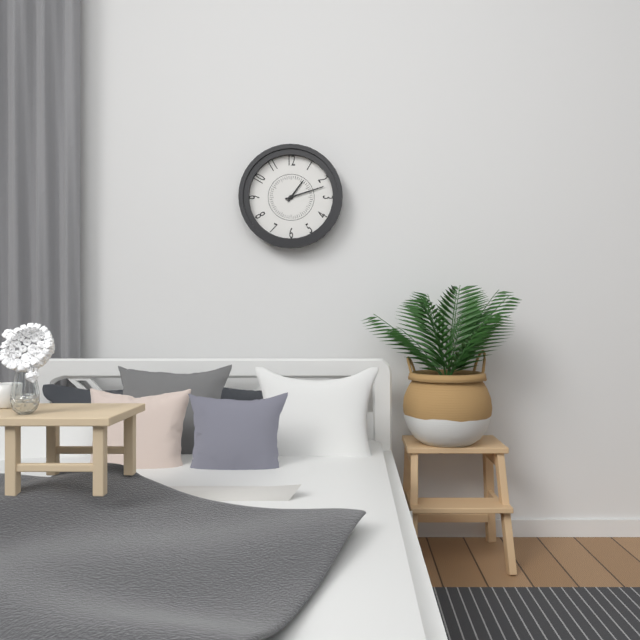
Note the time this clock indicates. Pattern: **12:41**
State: **1:12**
